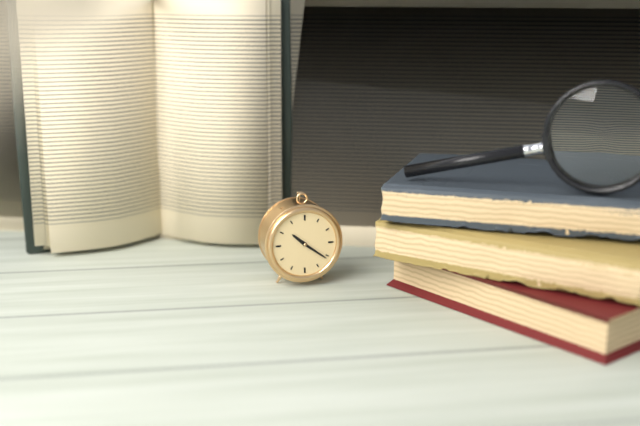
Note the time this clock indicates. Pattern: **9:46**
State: **10:21**
